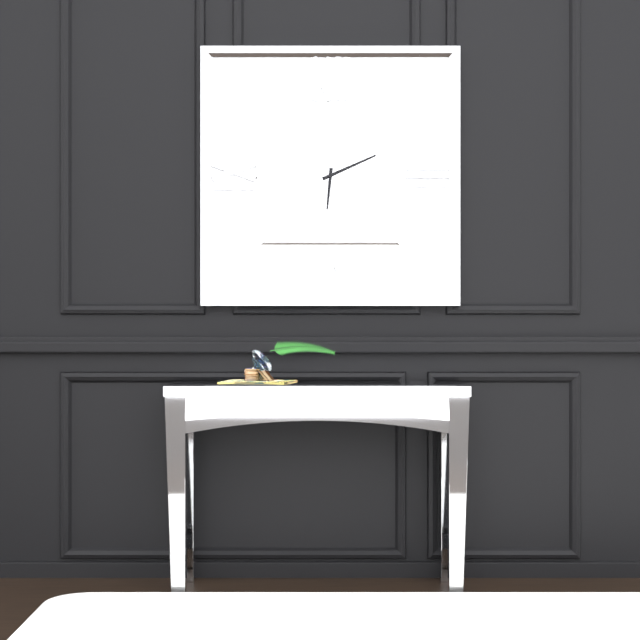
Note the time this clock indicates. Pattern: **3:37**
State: **6:11**
